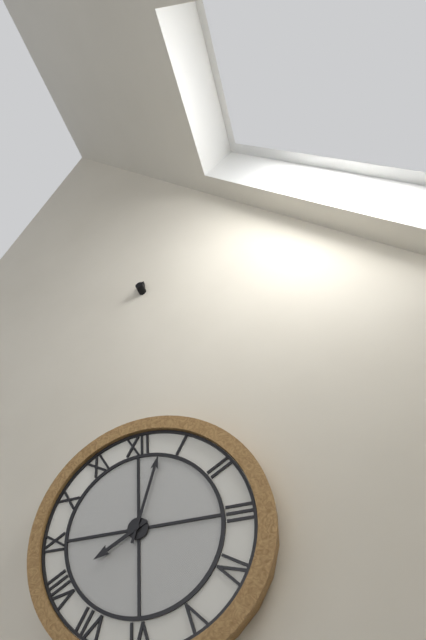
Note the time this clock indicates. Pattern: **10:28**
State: **8:03**
